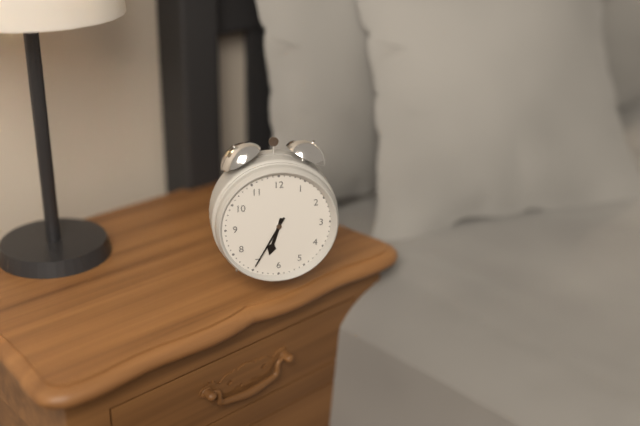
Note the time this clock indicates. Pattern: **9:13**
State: **6:35**
